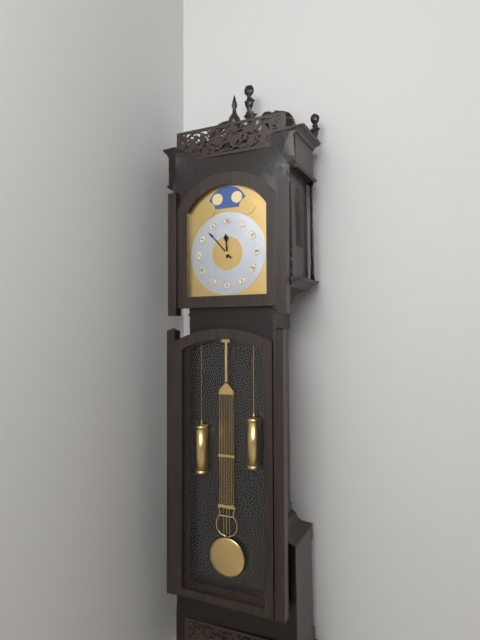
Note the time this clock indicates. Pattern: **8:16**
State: **11:53**
